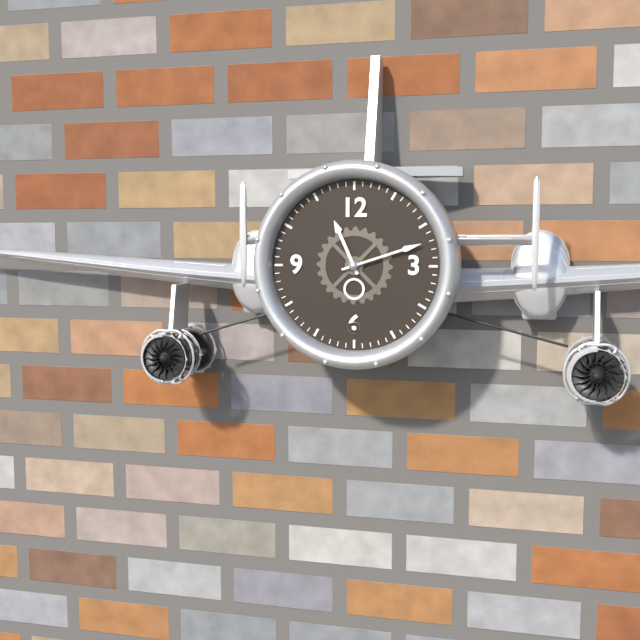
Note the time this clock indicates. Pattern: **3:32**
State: **11:12**
